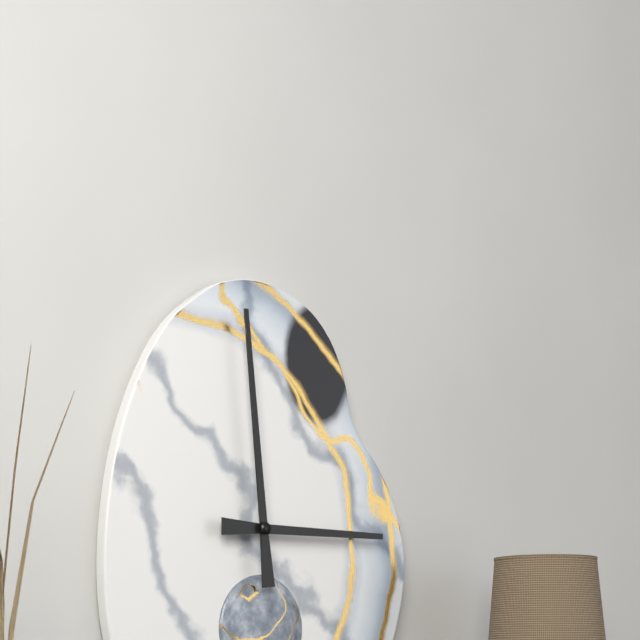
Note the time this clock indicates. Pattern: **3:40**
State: **2:59**
